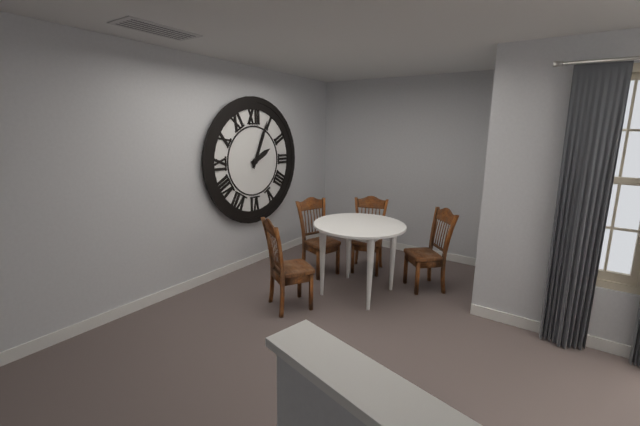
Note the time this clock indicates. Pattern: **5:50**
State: **2:04**
